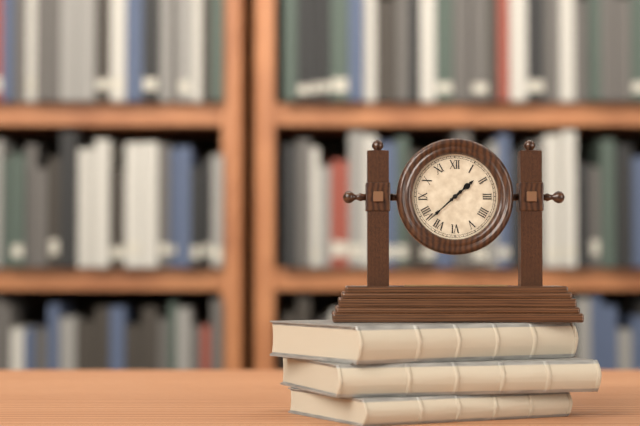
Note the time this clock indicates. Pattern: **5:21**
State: **1:38**
